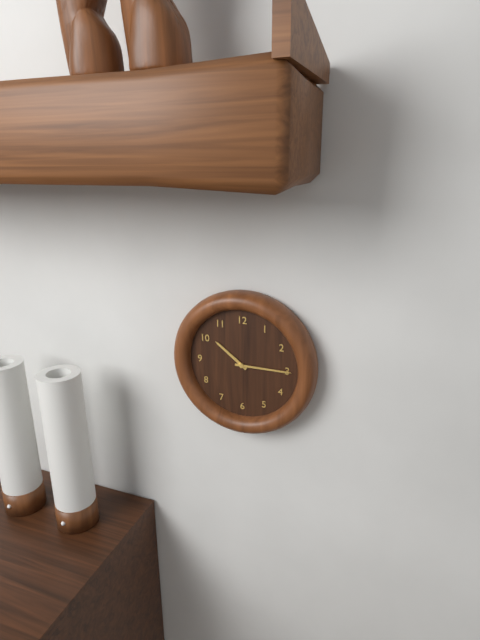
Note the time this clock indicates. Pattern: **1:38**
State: **10:15**
